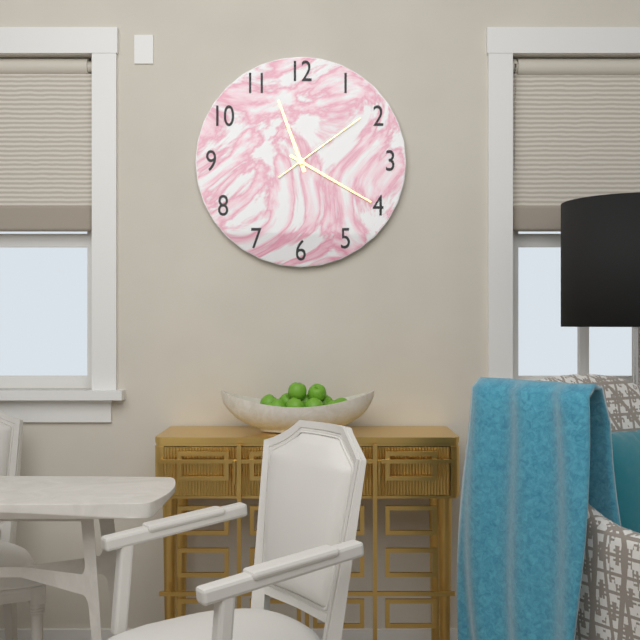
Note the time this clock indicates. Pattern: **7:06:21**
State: **11:20:09**
